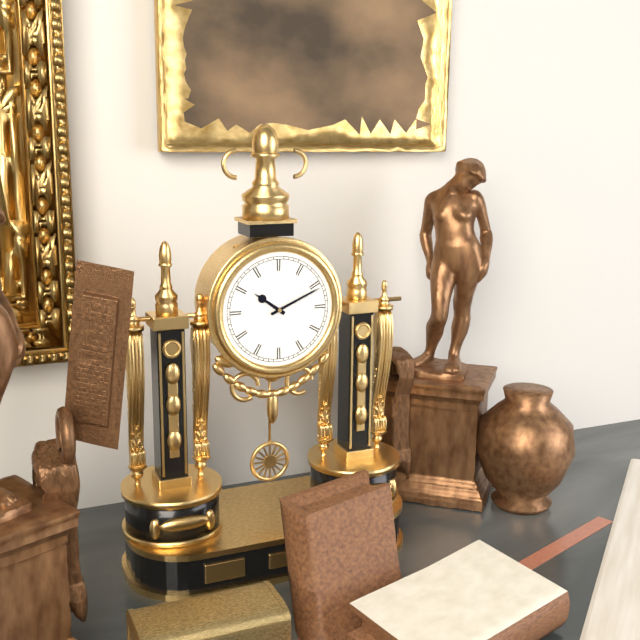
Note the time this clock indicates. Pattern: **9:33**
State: **10:11**
